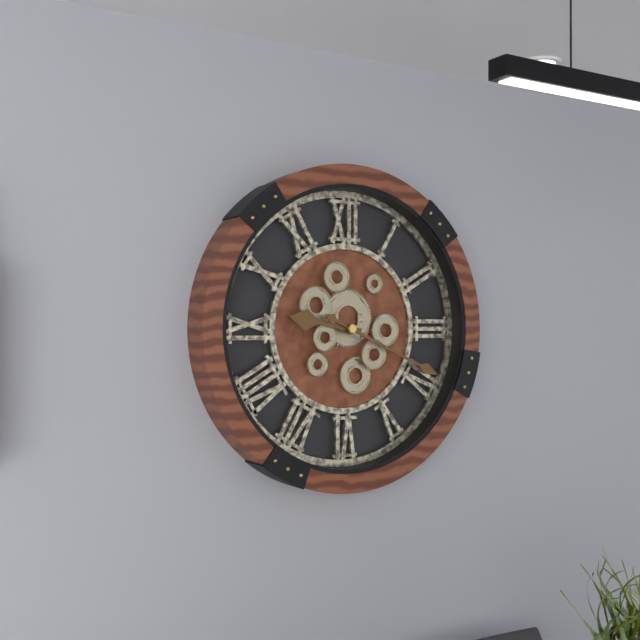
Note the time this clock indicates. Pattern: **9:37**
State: **9:19**
